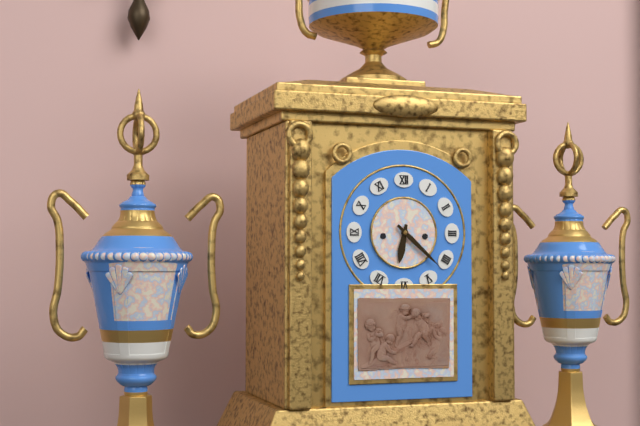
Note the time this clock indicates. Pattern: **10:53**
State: **6:22**
